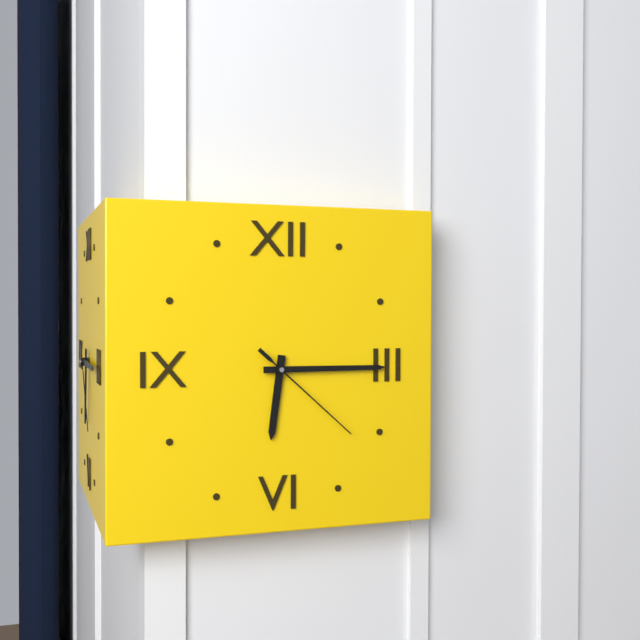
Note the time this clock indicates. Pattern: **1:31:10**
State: **6:15:22**
